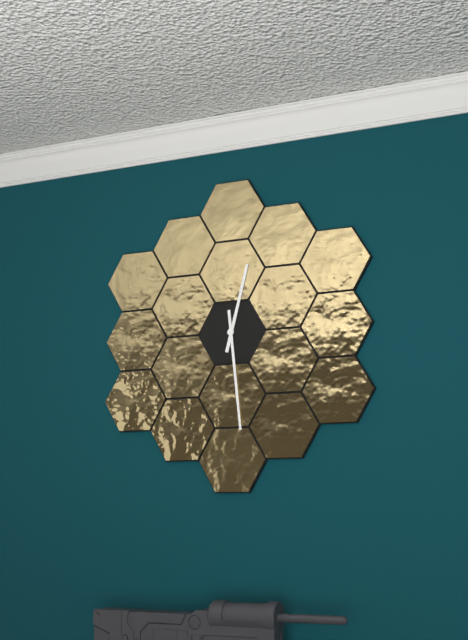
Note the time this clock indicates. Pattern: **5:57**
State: **12:29**
